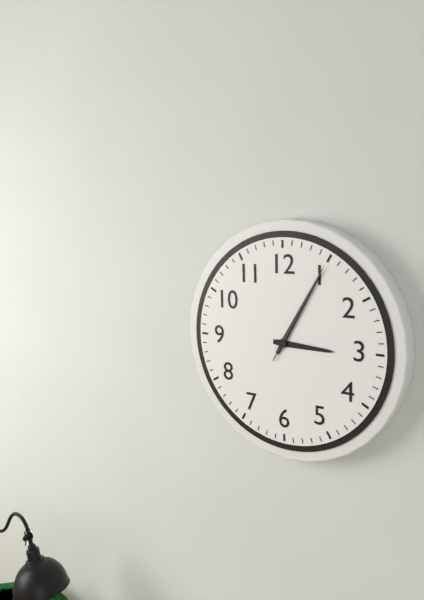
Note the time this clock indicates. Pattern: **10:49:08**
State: **3:05:05**
